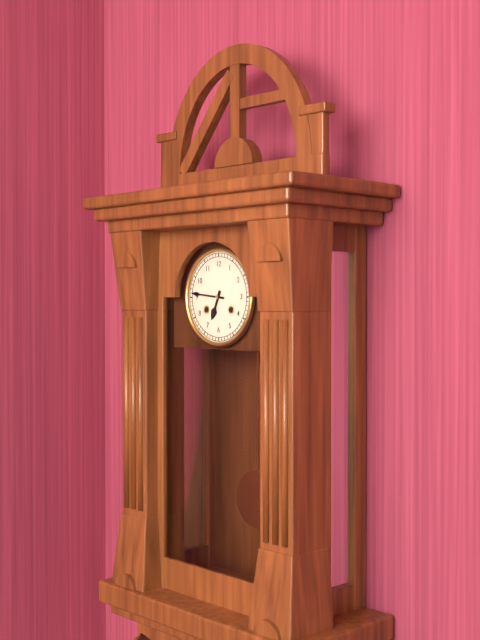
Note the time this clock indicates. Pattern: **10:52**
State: **6:46**
